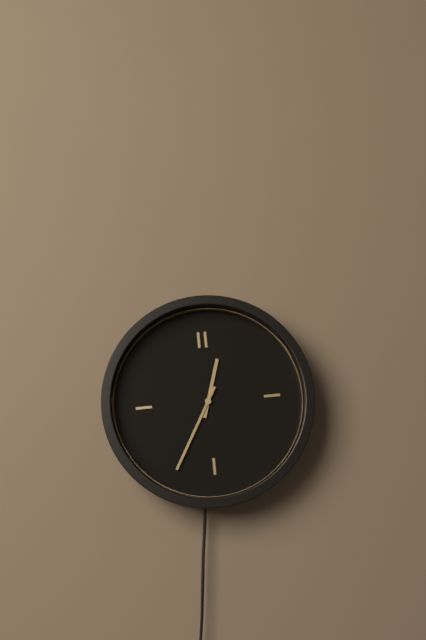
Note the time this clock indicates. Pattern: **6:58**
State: **12:35**
